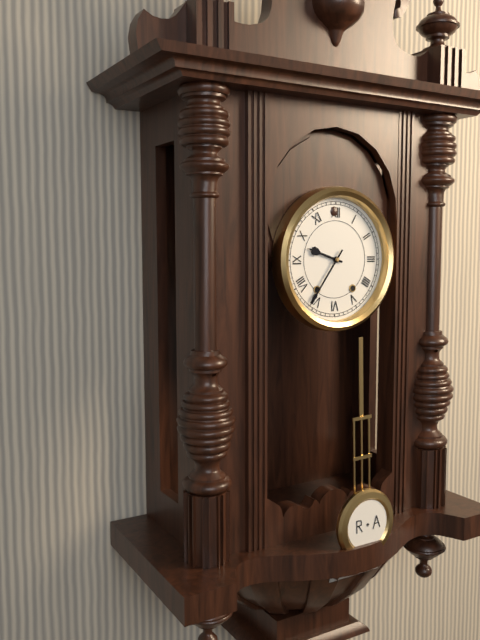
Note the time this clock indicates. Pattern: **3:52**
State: **9:36**
